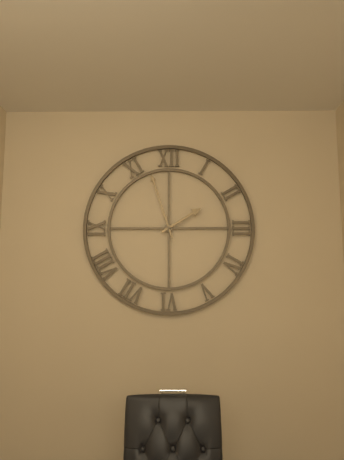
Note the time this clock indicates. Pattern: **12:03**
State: **1:57**
